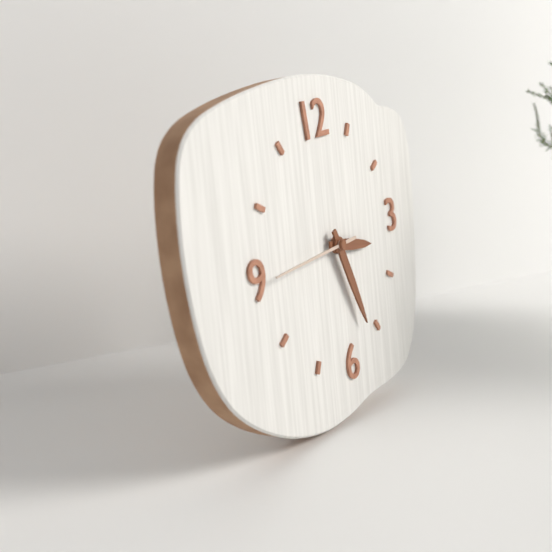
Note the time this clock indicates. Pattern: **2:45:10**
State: **3:27:45**
